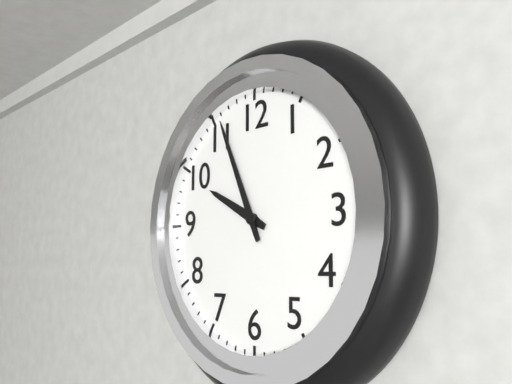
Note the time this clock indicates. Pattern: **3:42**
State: **9:56**
